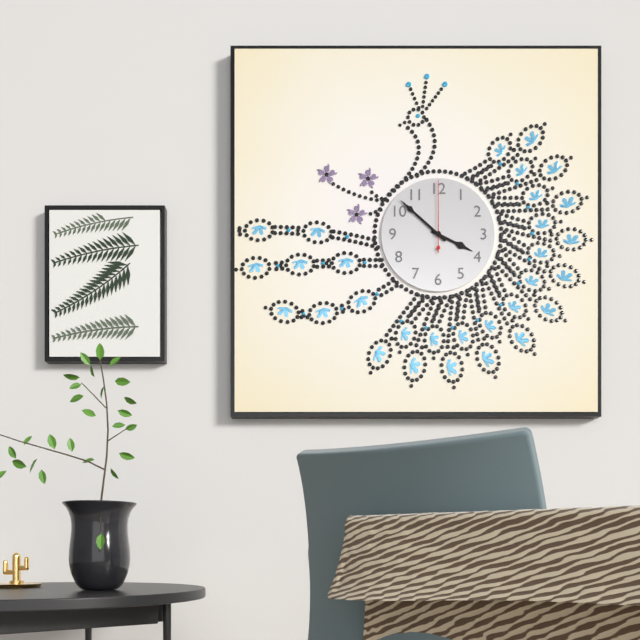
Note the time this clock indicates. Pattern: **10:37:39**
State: **3:52:00**
